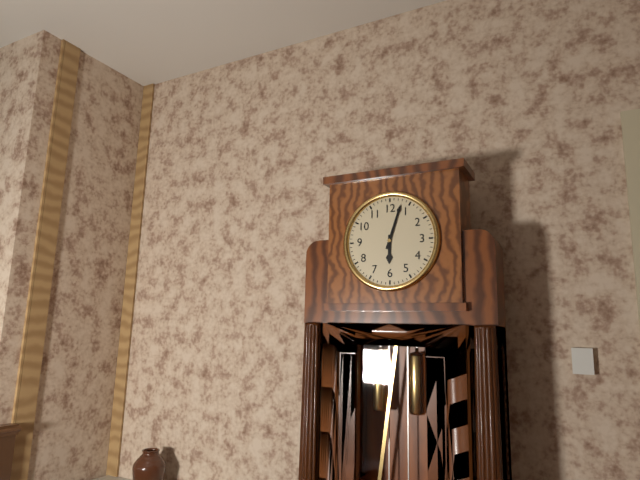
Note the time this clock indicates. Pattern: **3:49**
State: **6:03**
